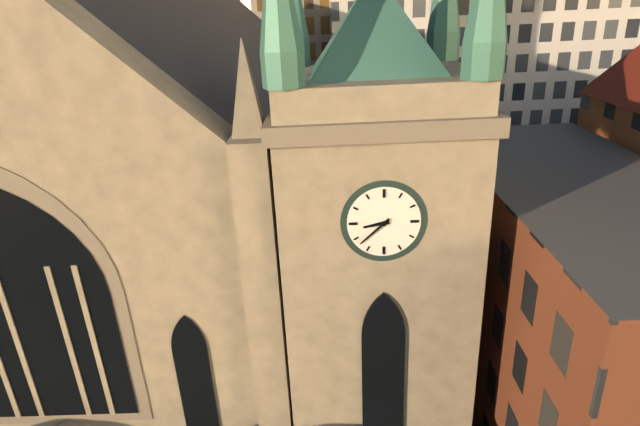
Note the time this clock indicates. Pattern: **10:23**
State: **8:38**
